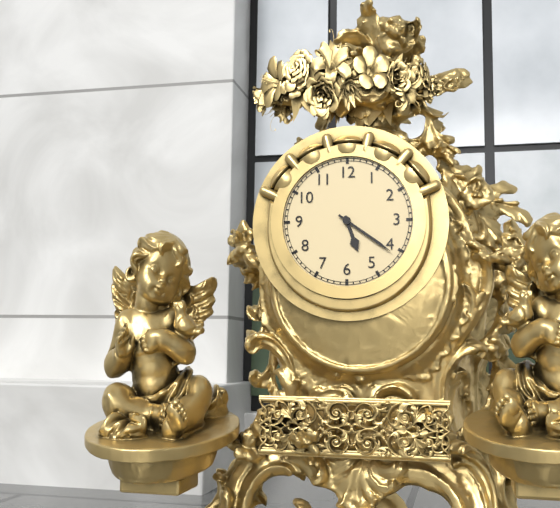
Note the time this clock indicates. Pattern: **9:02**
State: **5:21**
